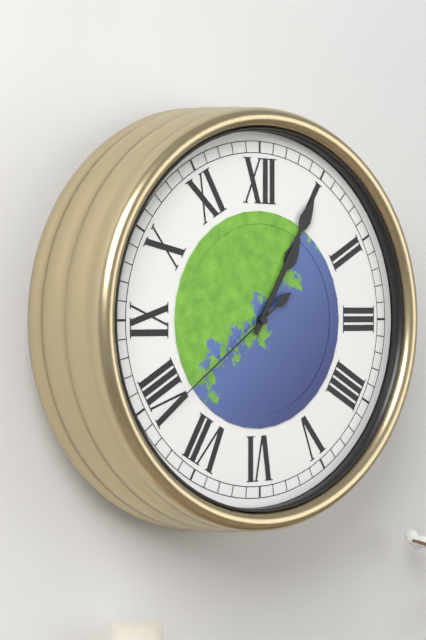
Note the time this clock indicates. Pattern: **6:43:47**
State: **1:05:39**
